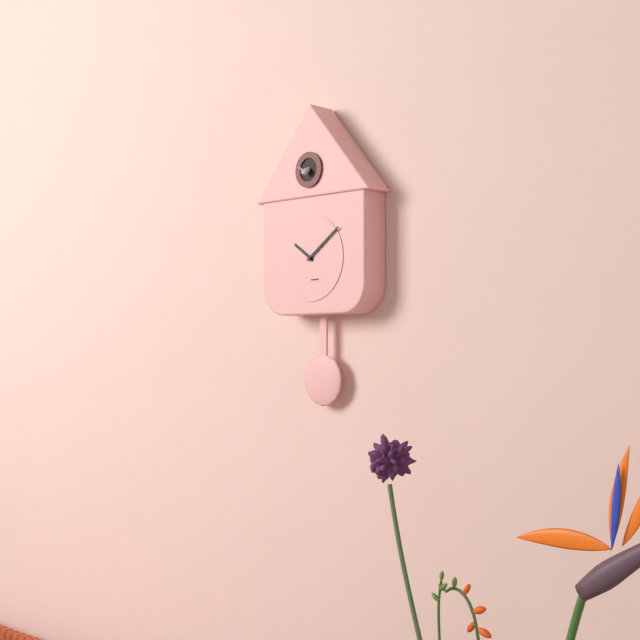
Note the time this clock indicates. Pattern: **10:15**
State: **10:09**
